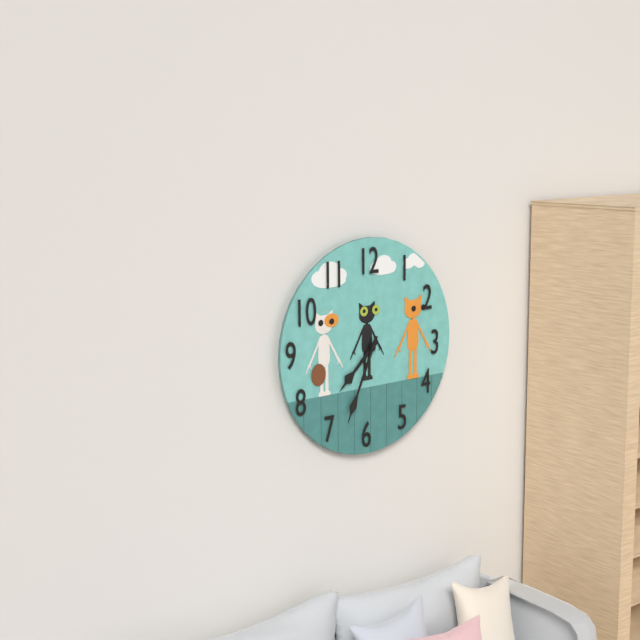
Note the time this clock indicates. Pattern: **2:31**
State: **7:34**
